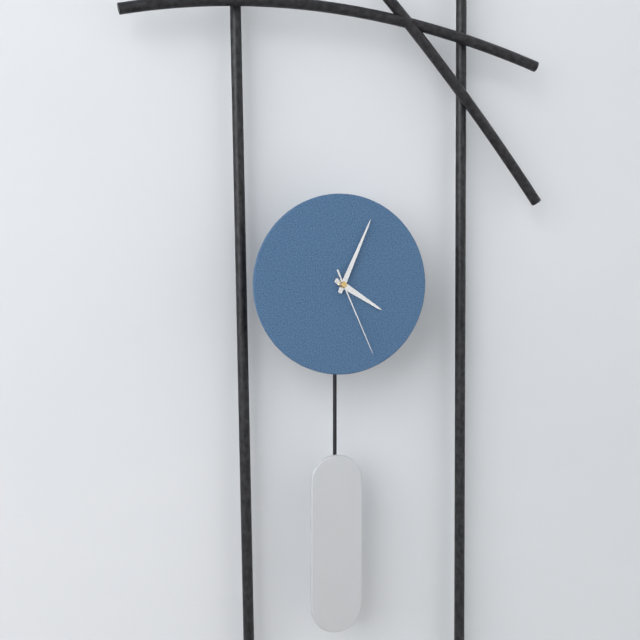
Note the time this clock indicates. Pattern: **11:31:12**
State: **4:04:26**
